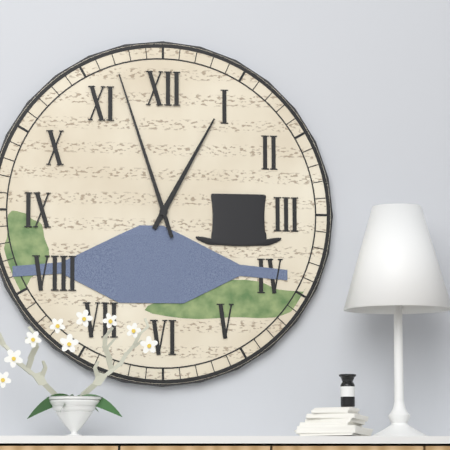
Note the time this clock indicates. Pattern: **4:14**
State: **12:57**
